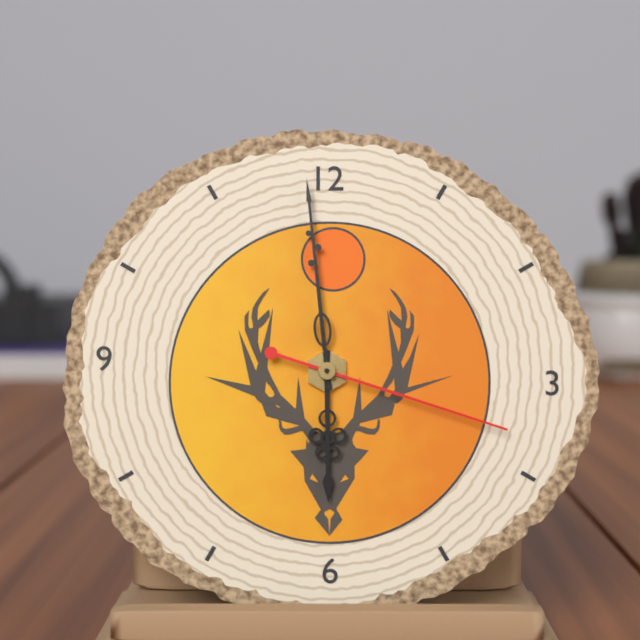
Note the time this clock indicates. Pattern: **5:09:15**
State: **5:59:18**
